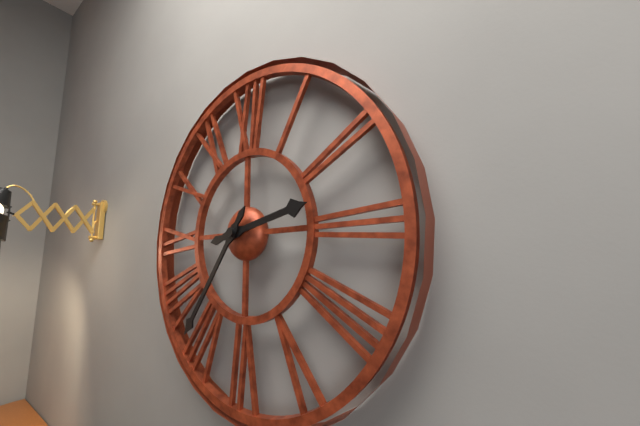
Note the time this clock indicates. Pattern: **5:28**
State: **2:36**
